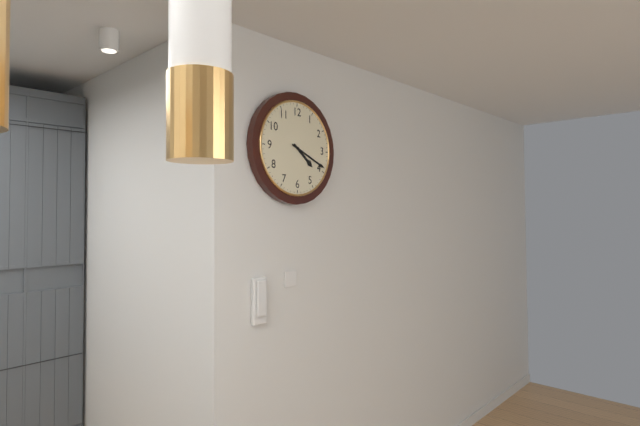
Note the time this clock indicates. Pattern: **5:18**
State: **4:19**
